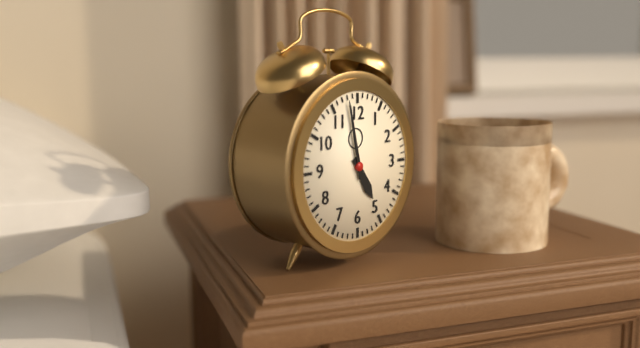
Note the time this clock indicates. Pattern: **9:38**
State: **4:58**
